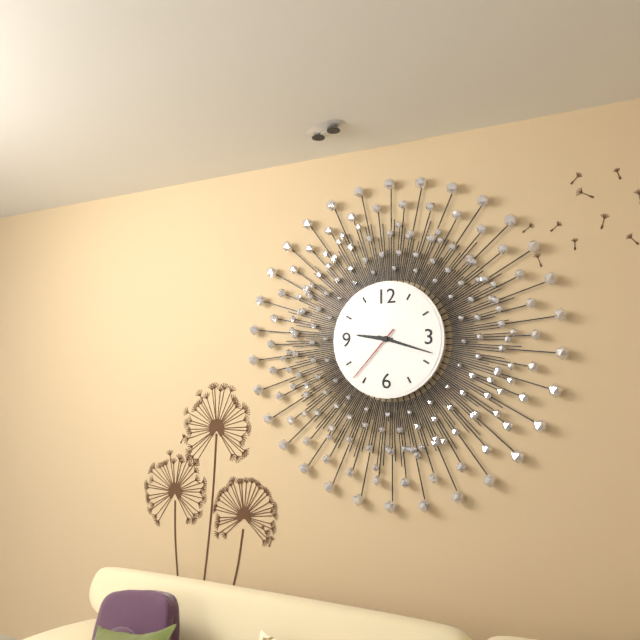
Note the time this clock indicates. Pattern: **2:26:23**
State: **9:18:37**
